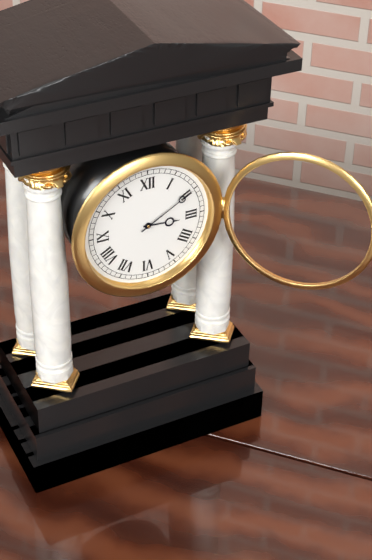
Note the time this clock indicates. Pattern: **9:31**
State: **3:10**
